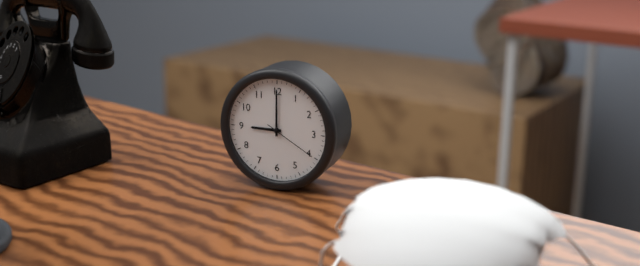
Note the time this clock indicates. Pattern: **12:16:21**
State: **9:00:20**
